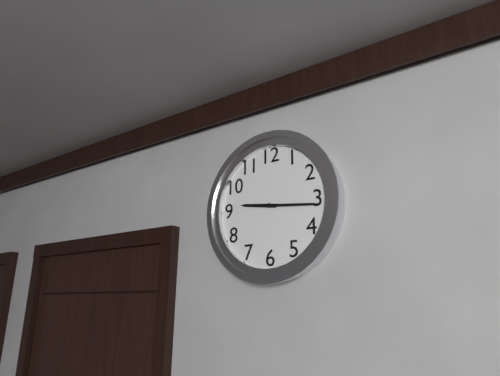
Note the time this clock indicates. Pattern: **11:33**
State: **9:16**
